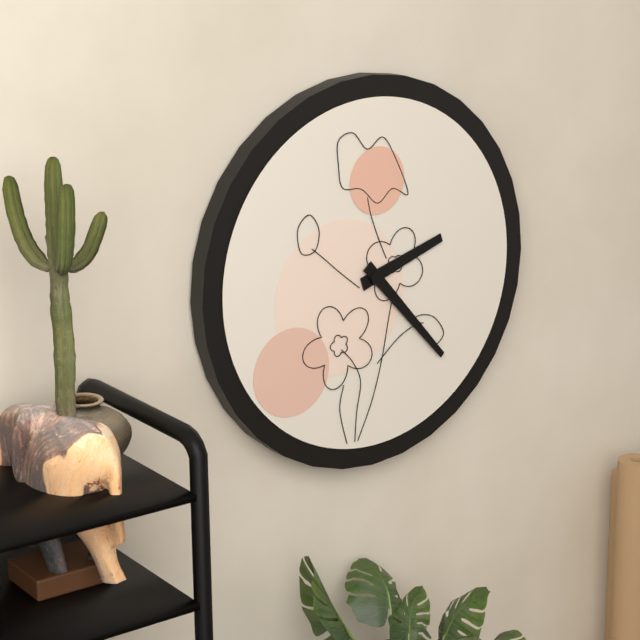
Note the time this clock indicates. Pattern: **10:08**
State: **2:23**
